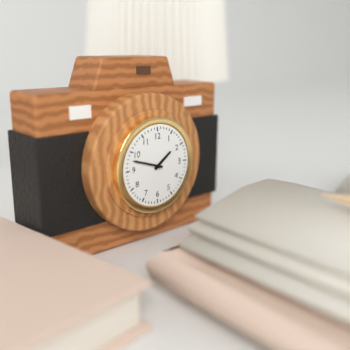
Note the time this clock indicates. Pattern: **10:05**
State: **1:48**
